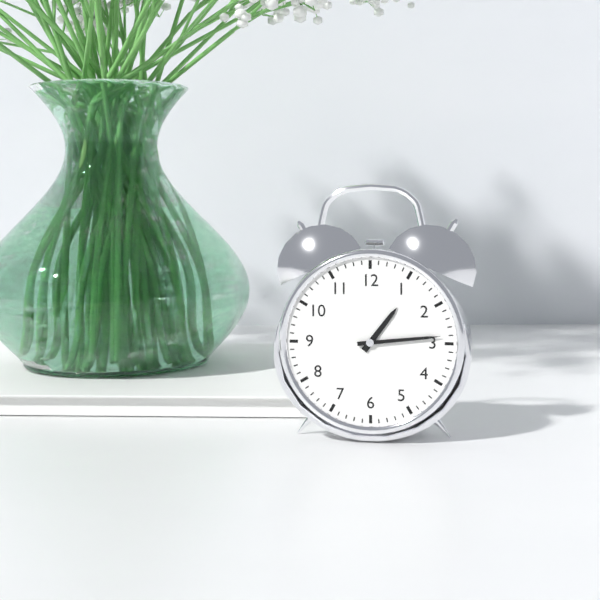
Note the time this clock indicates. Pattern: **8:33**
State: **1:14**
